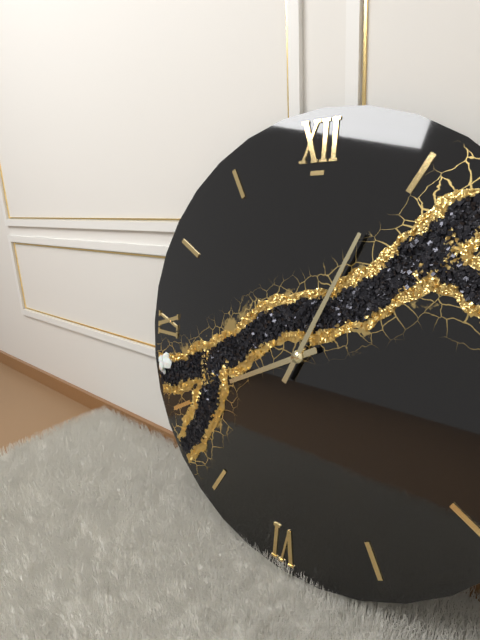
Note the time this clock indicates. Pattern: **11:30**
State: **8:04**
